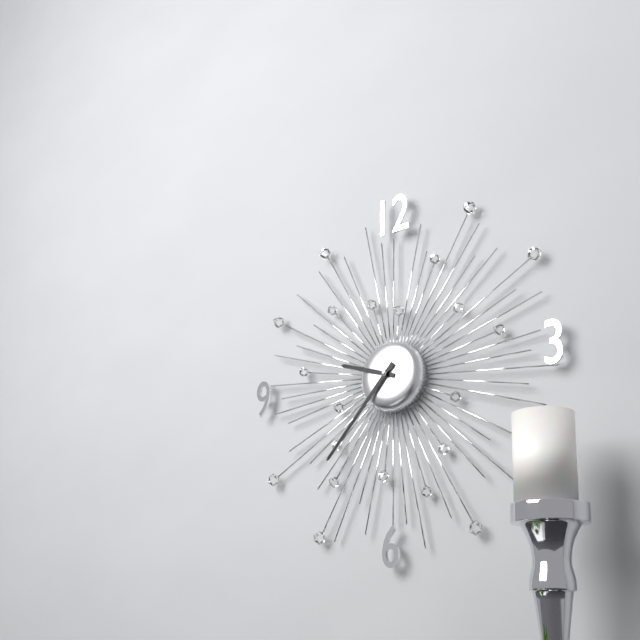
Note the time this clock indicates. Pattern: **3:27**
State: **9:37**
